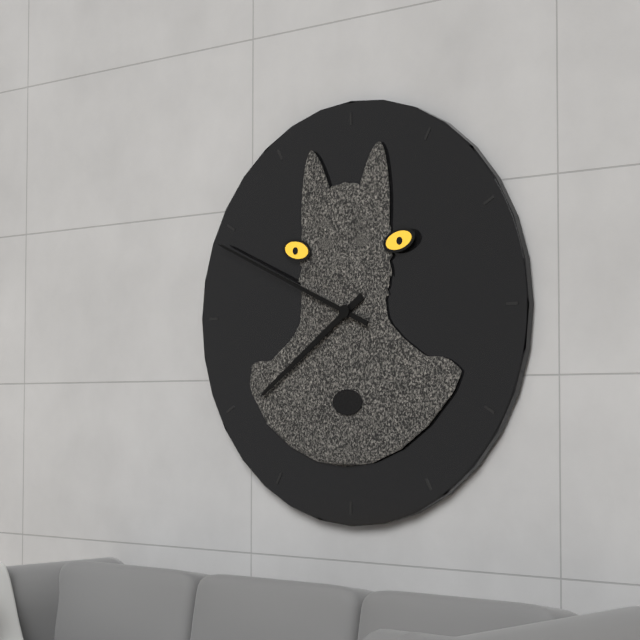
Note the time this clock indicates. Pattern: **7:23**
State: **7:49**
